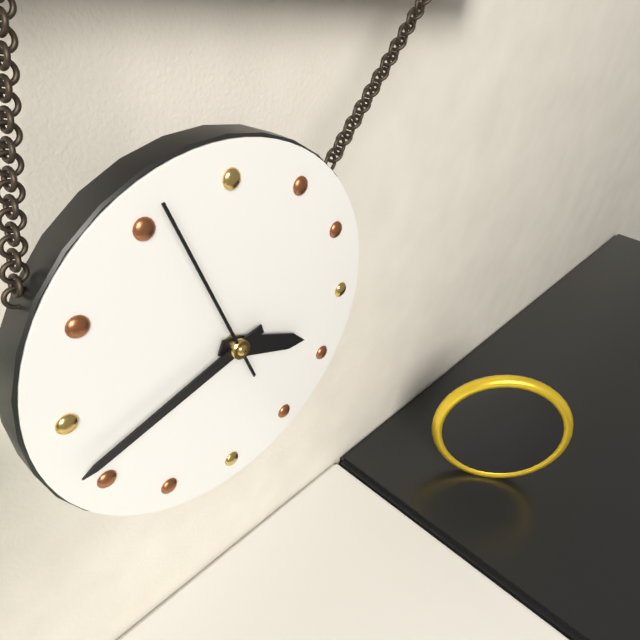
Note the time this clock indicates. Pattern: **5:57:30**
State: **3:42:56**
